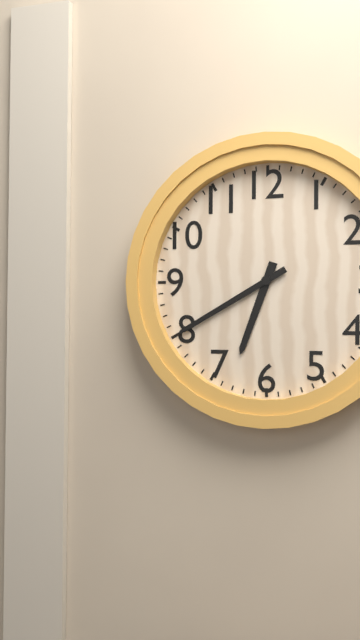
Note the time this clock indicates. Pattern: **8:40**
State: **6:40**
